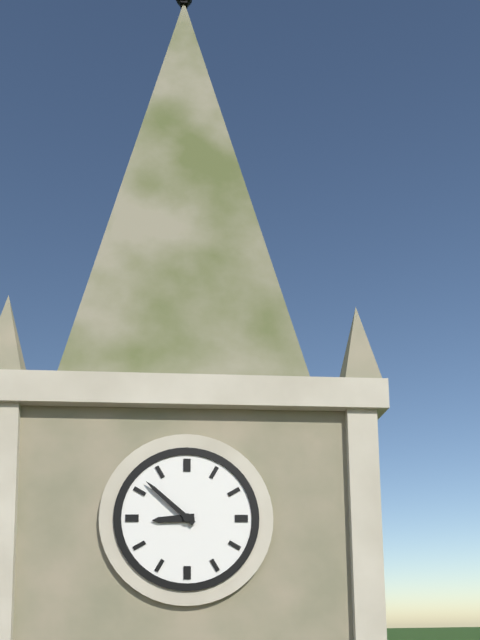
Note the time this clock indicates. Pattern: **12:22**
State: **8:52**
